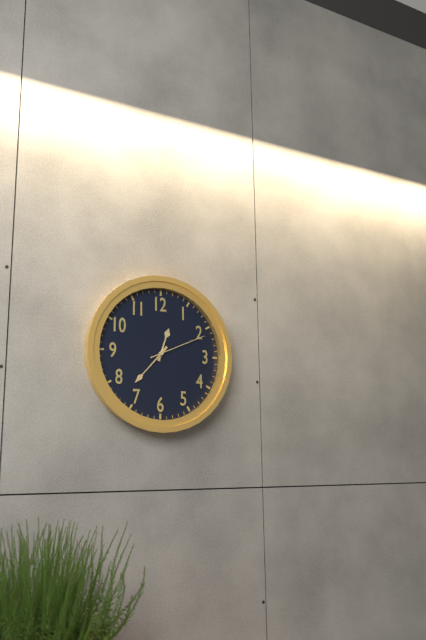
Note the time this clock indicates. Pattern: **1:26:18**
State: **12:37:11**
